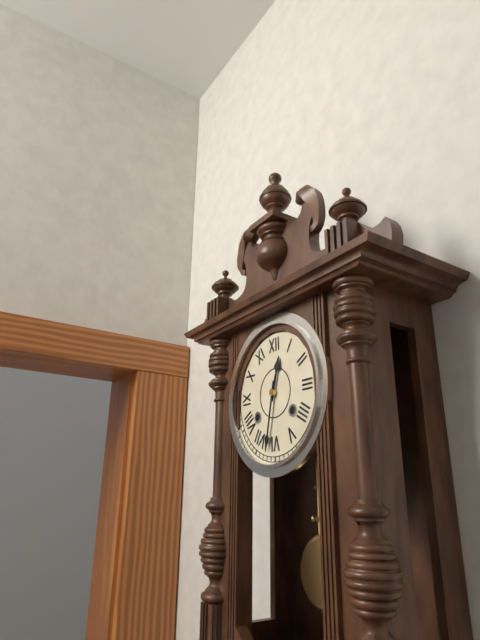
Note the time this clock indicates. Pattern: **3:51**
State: **12:32**
